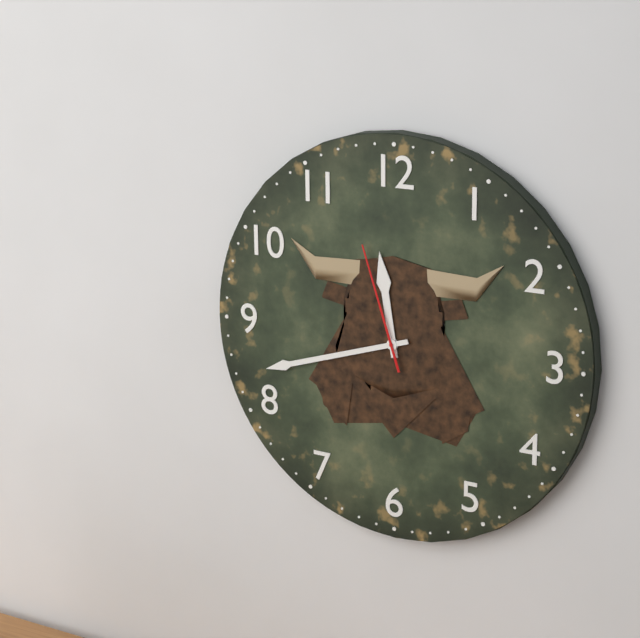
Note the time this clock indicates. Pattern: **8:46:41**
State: **11:42:57**
